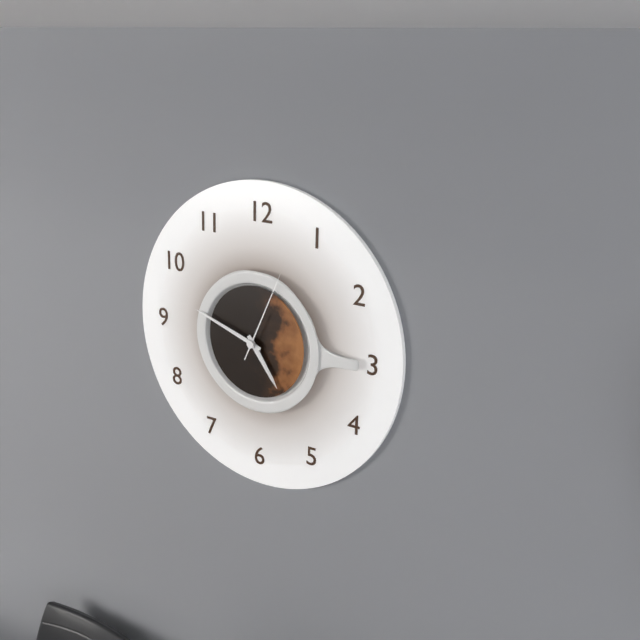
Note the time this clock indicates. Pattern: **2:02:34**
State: **4:48:04**
